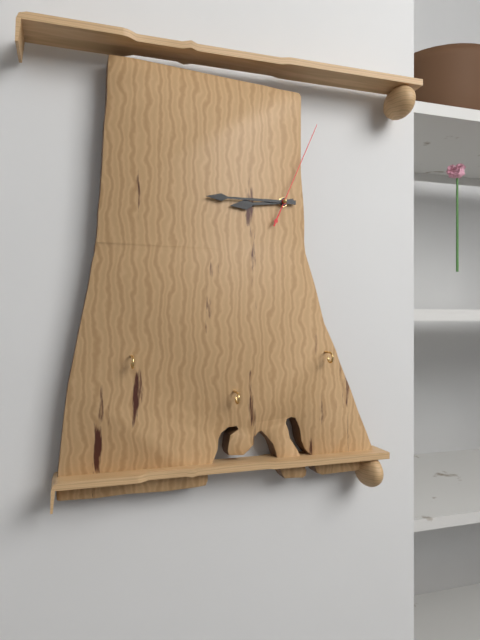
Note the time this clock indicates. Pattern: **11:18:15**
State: **8:45:04**
